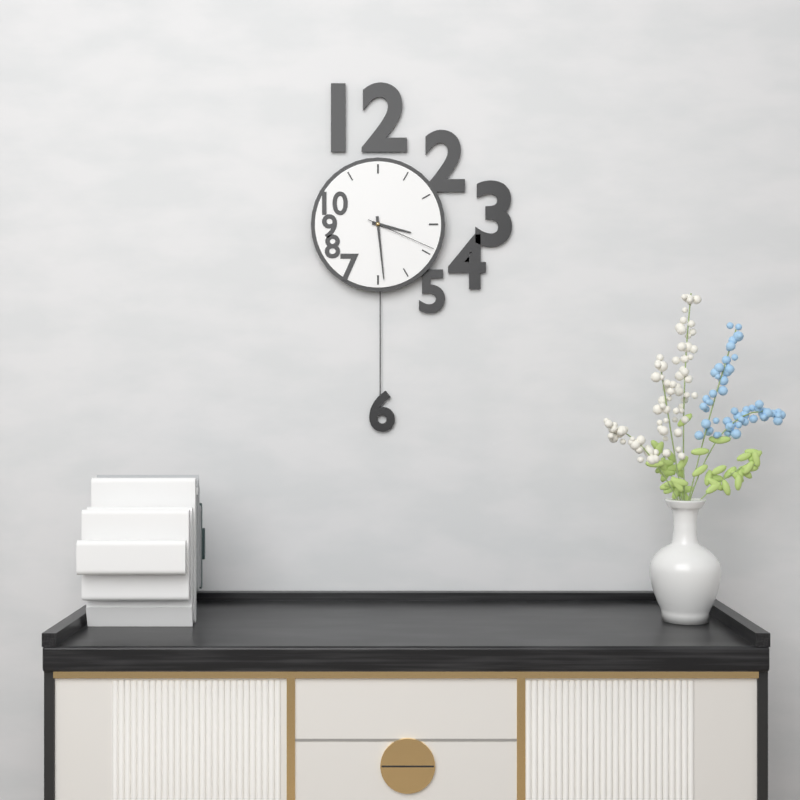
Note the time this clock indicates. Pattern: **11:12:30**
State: **3:29:19**
